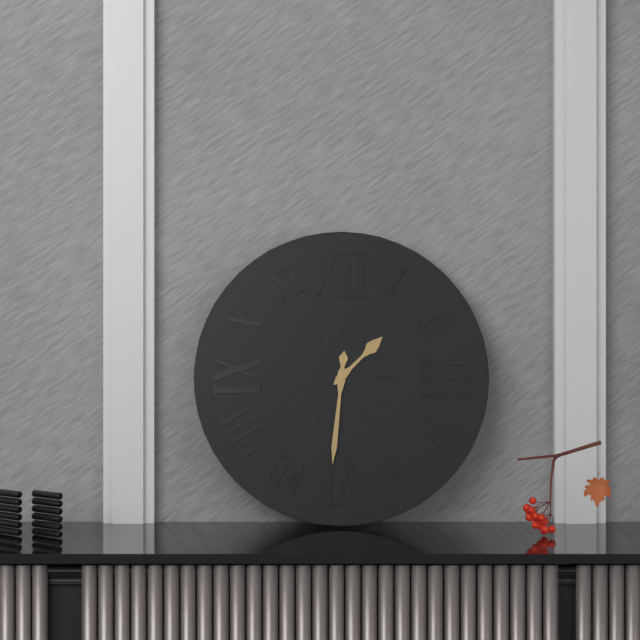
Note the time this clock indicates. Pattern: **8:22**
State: **1:31**
